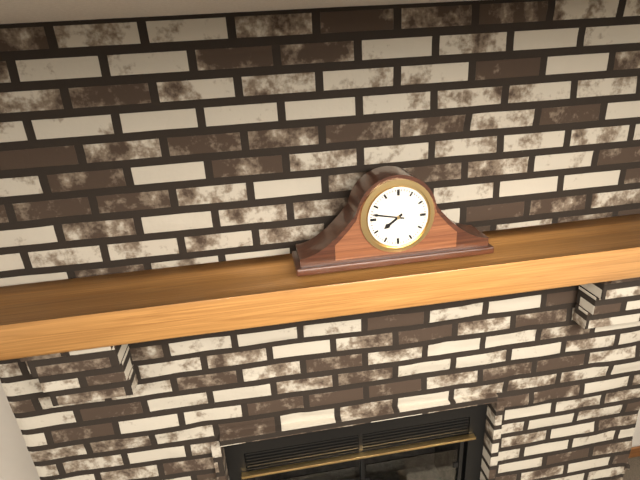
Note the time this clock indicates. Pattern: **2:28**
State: **7:47**
